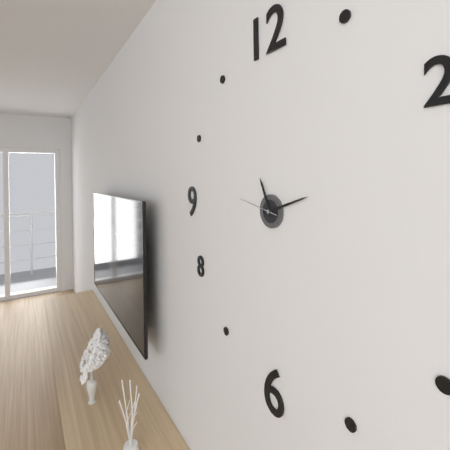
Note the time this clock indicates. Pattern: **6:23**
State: **11:12**
